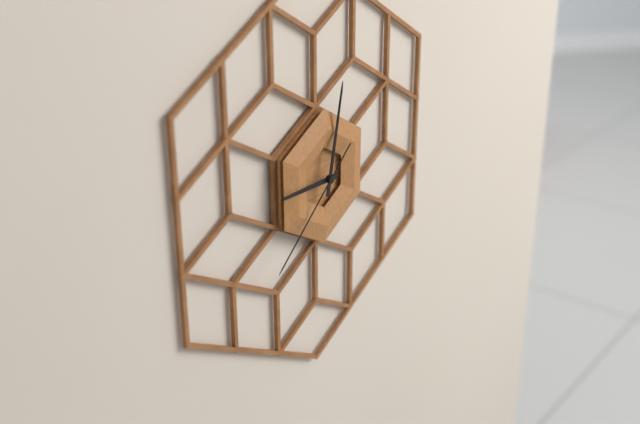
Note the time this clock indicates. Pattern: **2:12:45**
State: **9:02:38**
